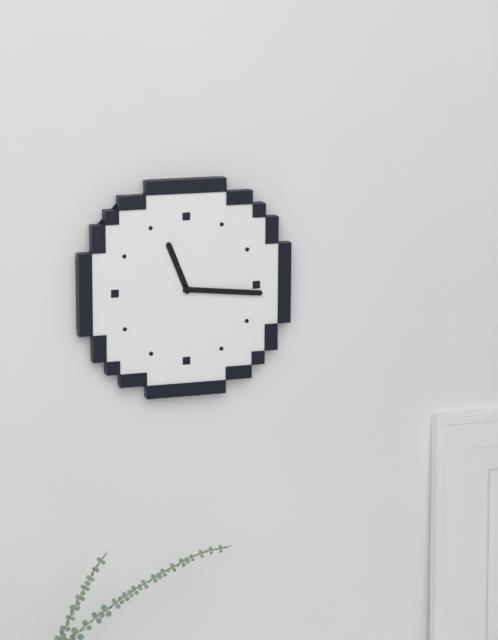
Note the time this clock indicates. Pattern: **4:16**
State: **11:16**
